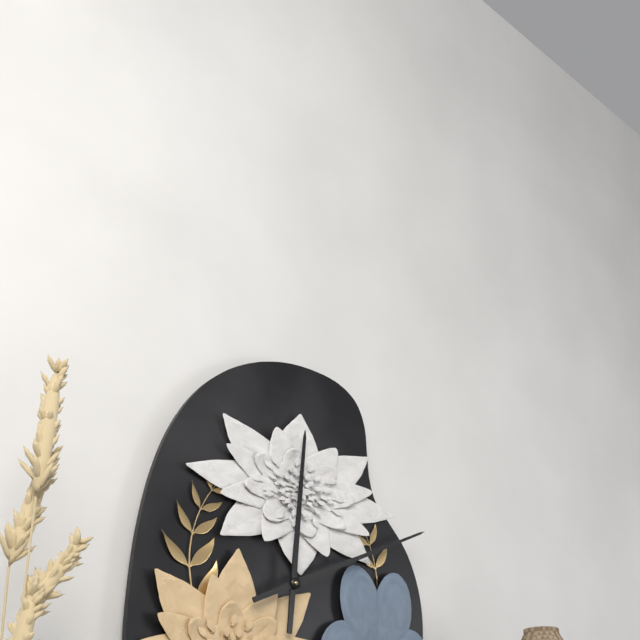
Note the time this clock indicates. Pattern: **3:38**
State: **12:11**
